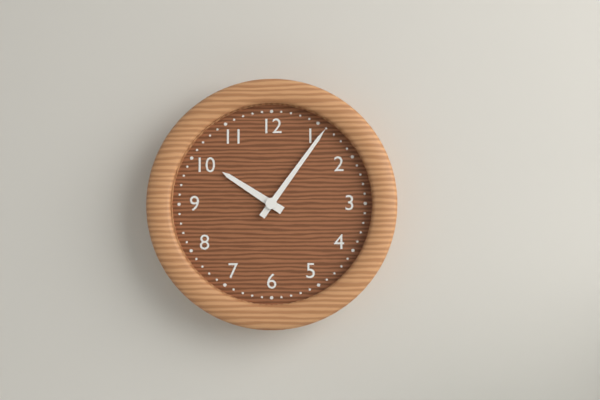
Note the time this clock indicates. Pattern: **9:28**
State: **10:06**
